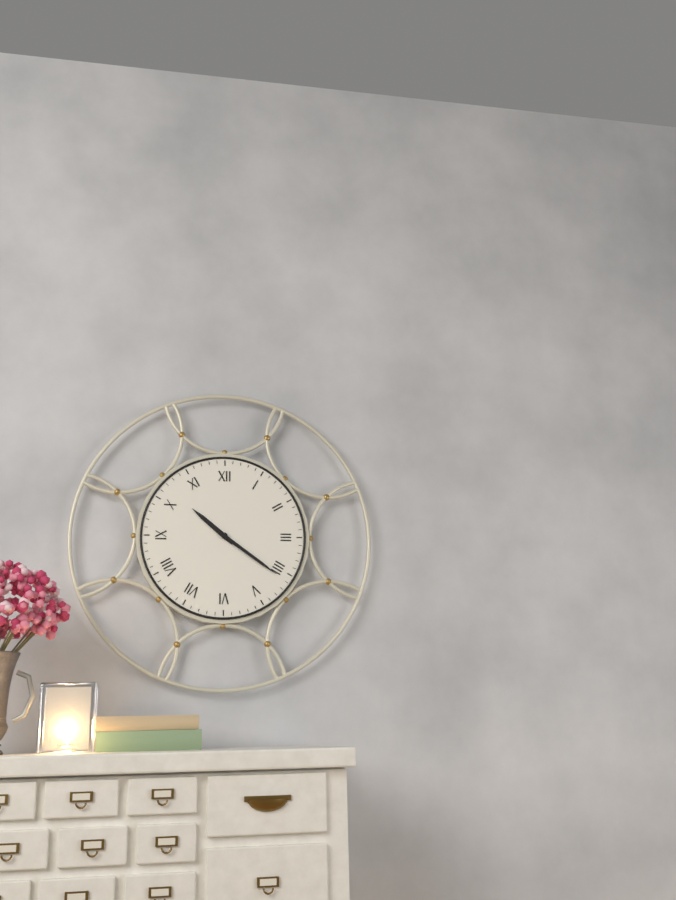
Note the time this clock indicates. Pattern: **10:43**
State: **10:21**
